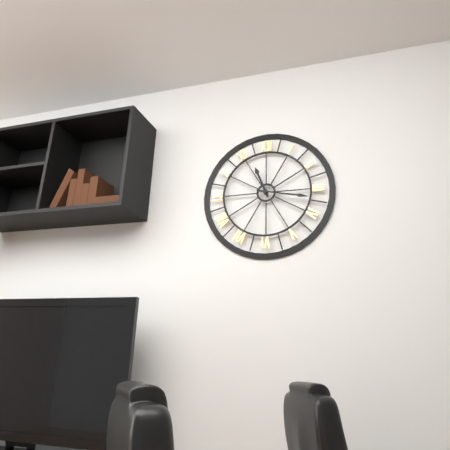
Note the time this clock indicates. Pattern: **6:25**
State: **11:17**
